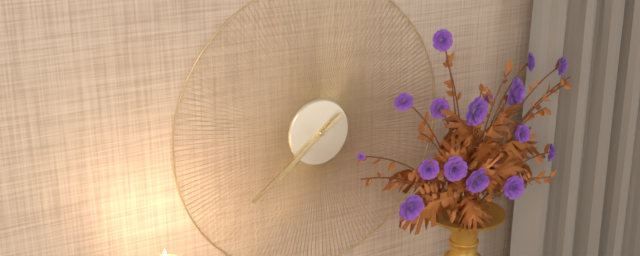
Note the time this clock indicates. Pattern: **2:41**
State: **7:39**
